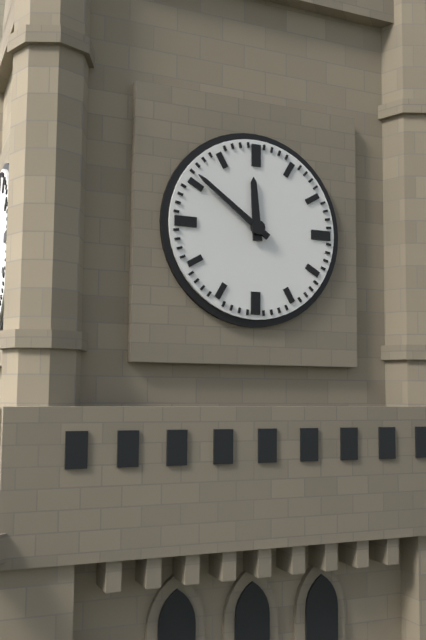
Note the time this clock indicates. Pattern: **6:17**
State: **11:51**
